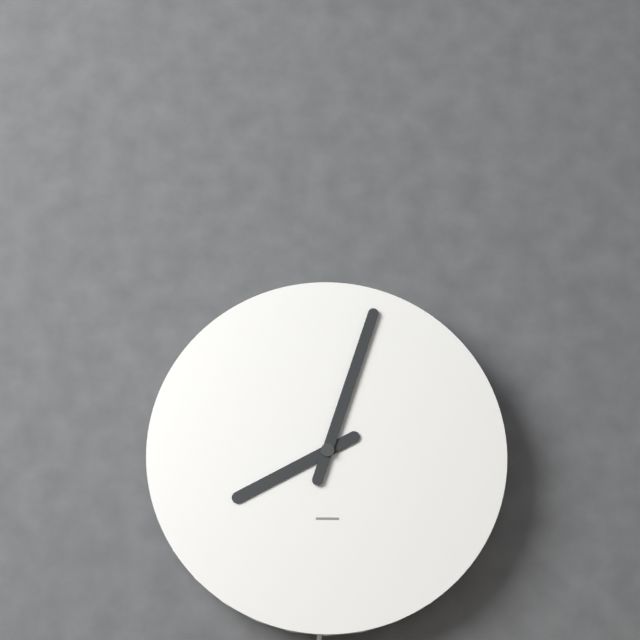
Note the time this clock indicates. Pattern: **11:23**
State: **8:03**
